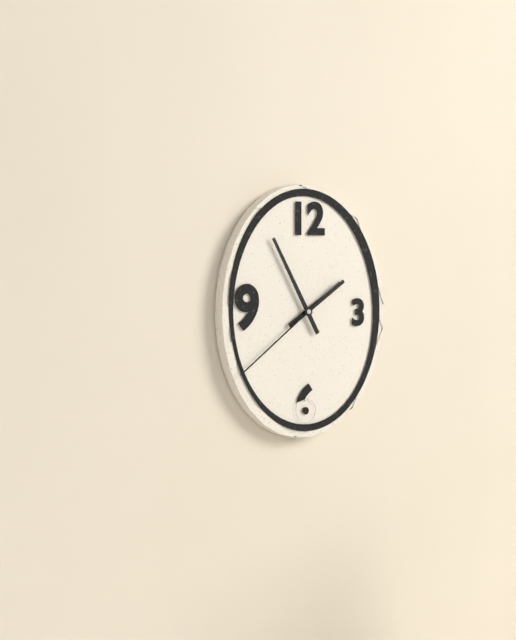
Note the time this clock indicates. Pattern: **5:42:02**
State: **1:55:39**
